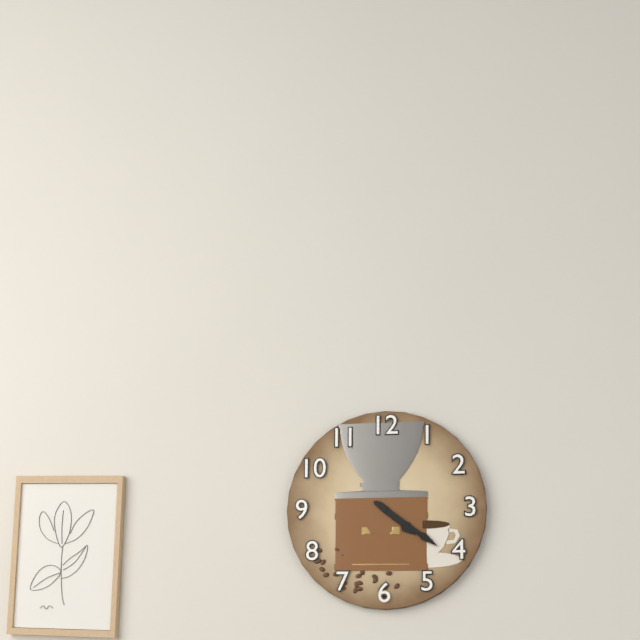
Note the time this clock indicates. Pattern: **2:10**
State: **4:21**
